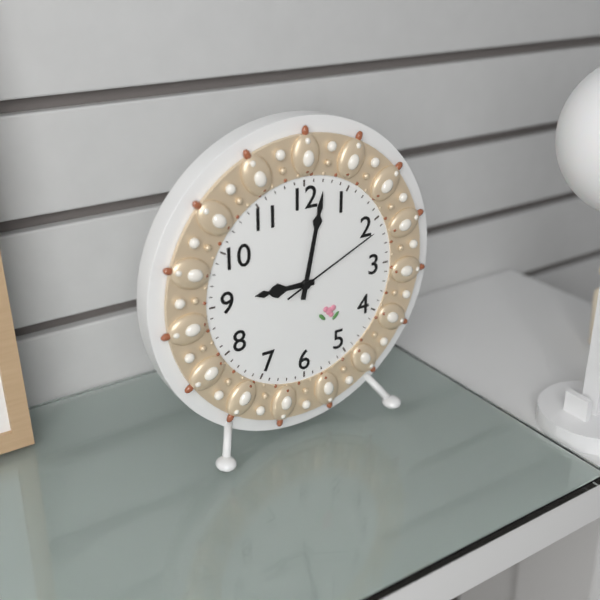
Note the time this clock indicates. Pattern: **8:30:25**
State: **9:02:11**
